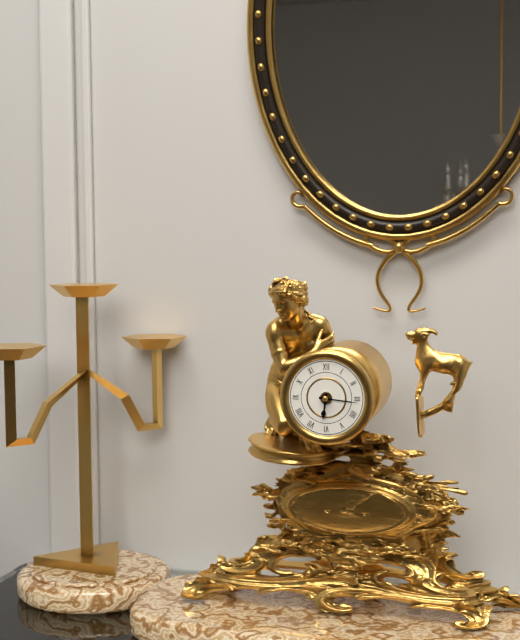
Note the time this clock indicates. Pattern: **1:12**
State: **6:16**
